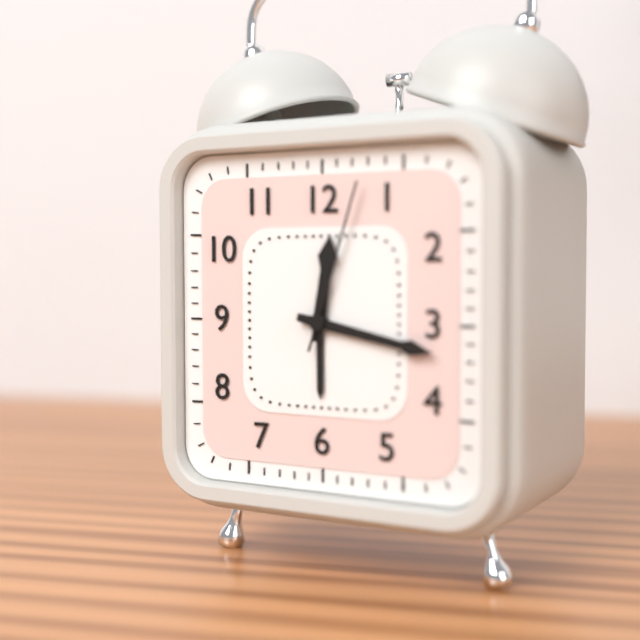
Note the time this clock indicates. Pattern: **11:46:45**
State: **12:17:03**
